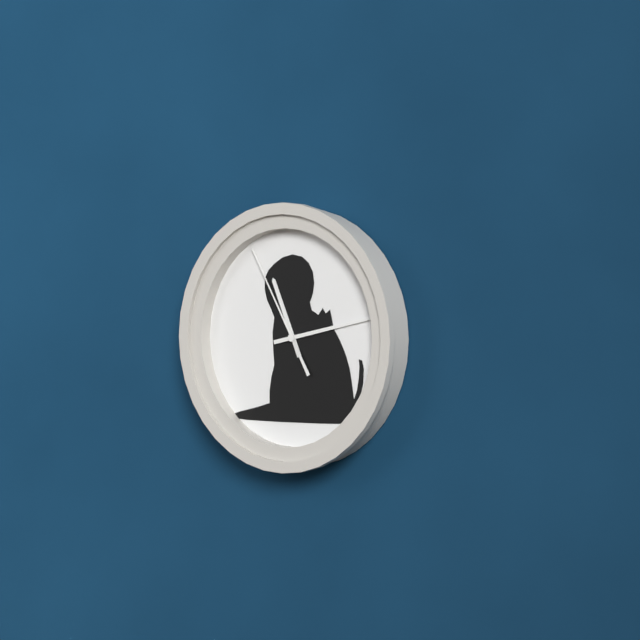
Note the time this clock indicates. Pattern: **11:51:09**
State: **11:13:55**
